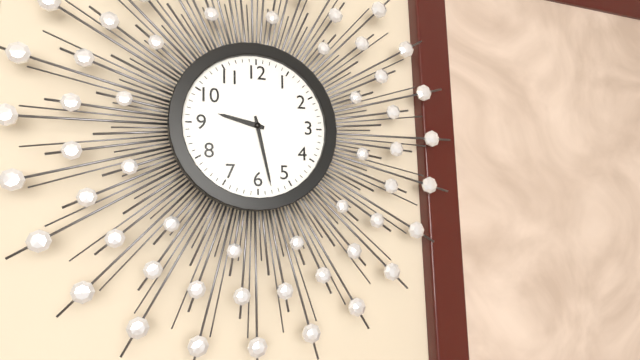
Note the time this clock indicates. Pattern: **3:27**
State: **9:28**
